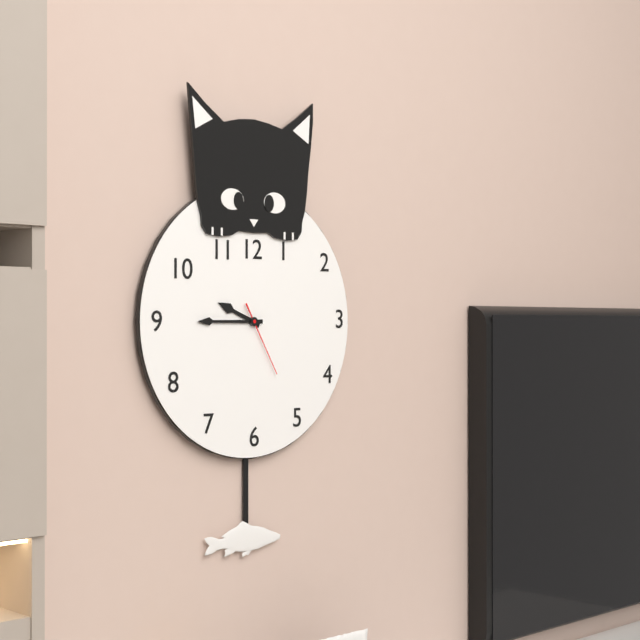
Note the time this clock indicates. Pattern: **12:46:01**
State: **9:45:25**
